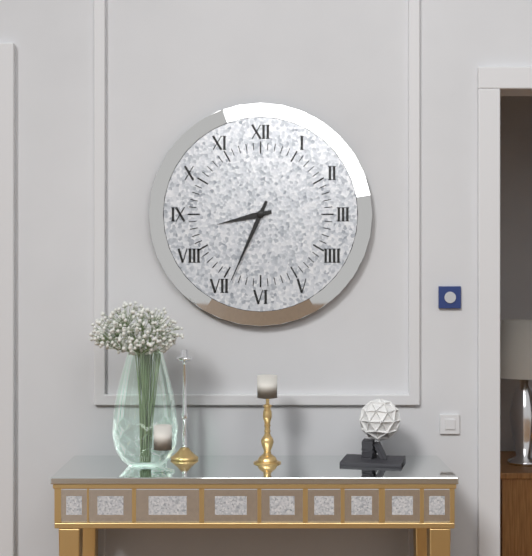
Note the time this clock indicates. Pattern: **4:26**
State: **8:34**
